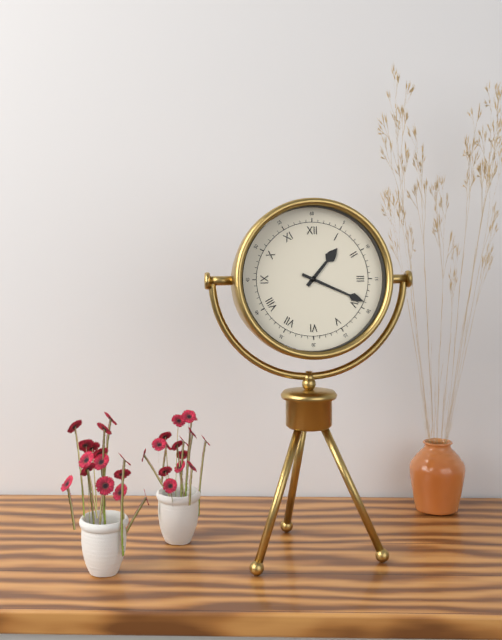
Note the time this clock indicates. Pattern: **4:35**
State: **1:19**
